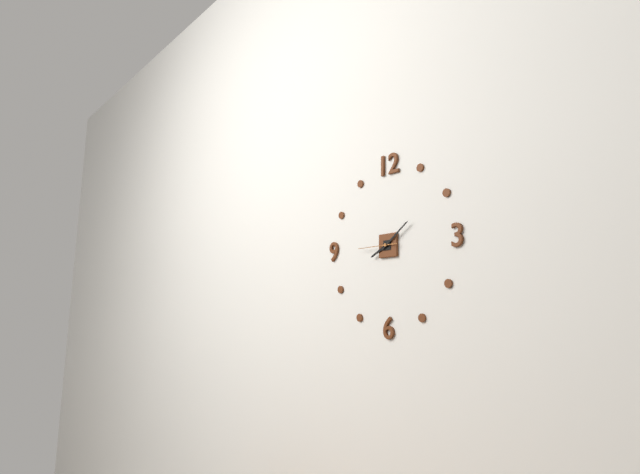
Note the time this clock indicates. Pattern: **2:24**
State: **8:09**
